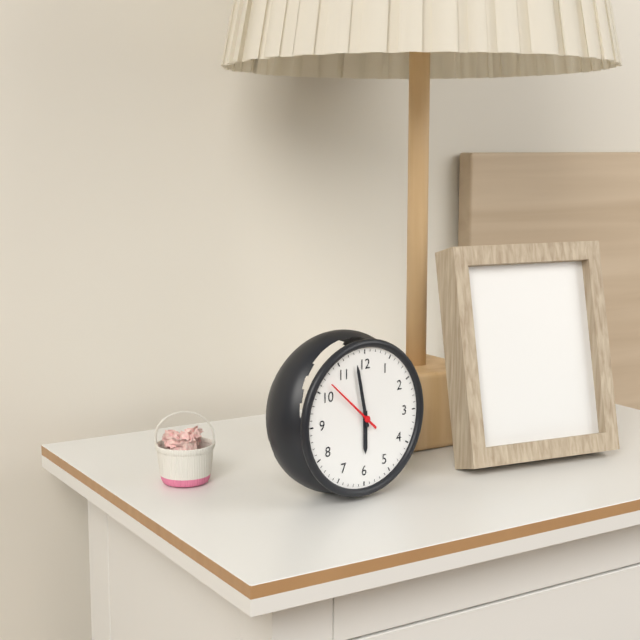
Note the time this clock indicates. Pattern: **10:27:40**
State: **5:58:52**
